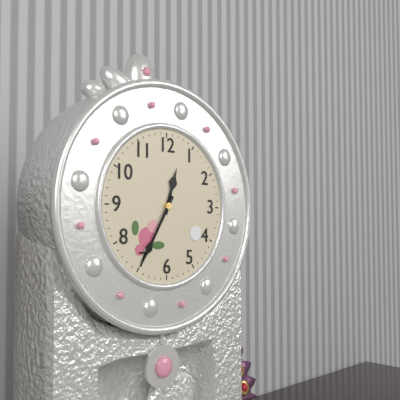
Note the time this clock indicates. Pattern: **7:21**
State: **12:35**
